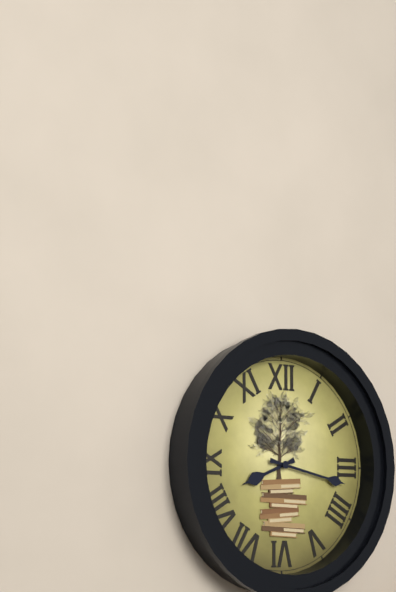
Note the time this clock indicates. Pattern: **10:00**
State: **8:17**
